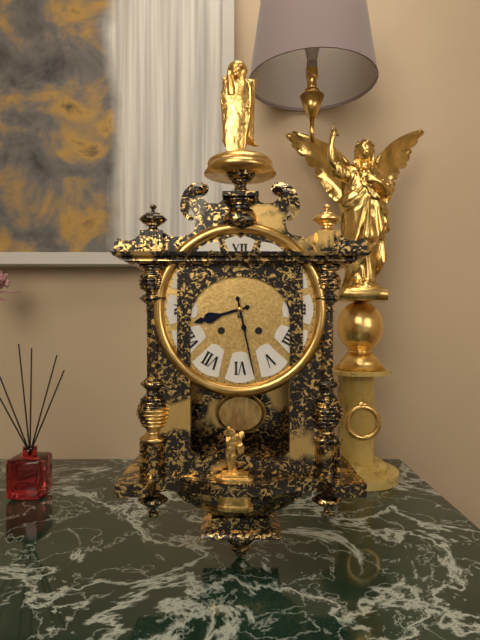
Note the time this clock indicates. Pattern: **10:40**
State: **8:28**
